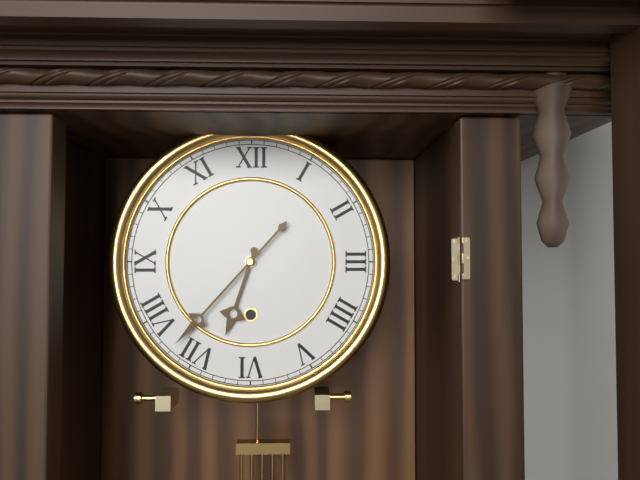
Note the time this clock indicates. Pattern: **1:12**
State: **6:37**
